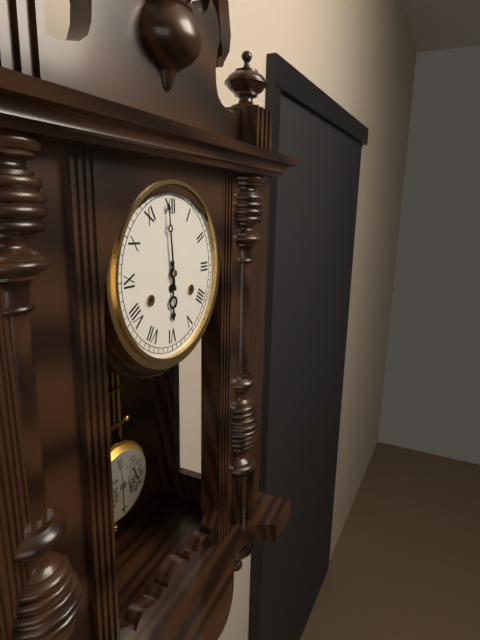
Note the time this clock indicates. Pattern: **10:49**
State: **5:59**
